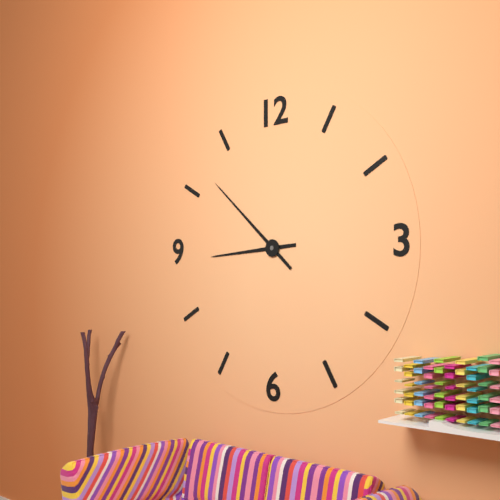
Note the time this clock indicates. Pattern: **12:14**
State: **8:52**
